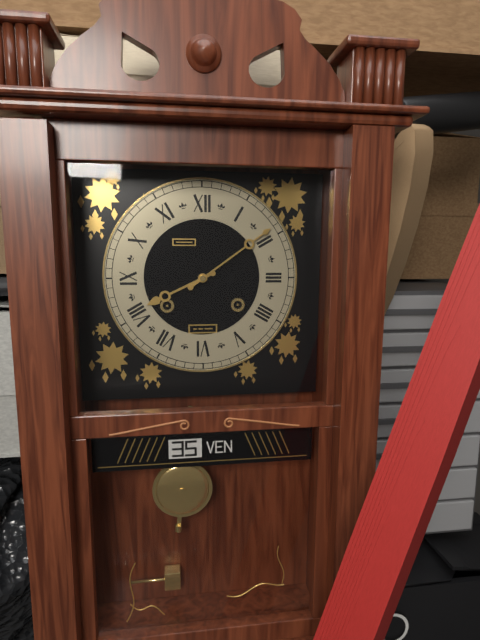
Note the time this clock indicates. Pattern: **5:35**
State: **8:09**
